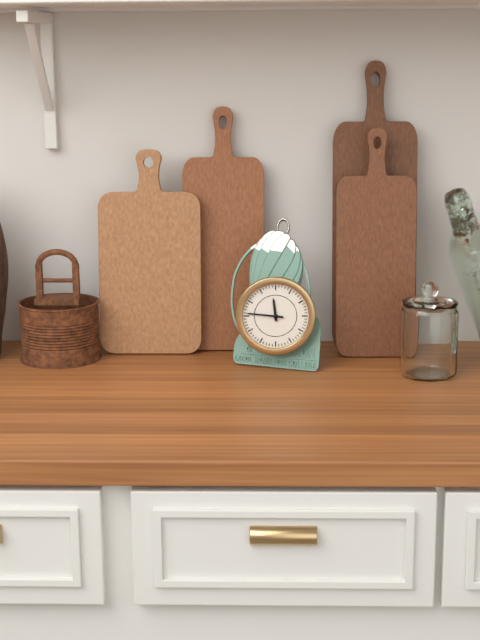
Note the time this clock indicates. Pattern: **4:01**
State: **11:46**
